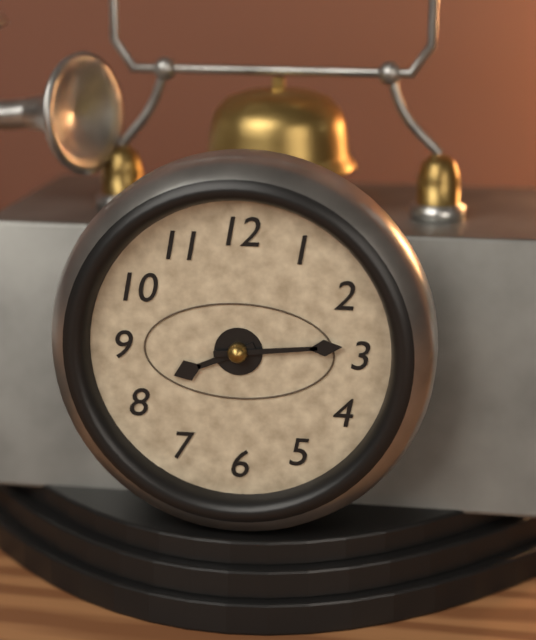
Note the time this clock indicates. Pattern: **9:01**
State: **8:14**
